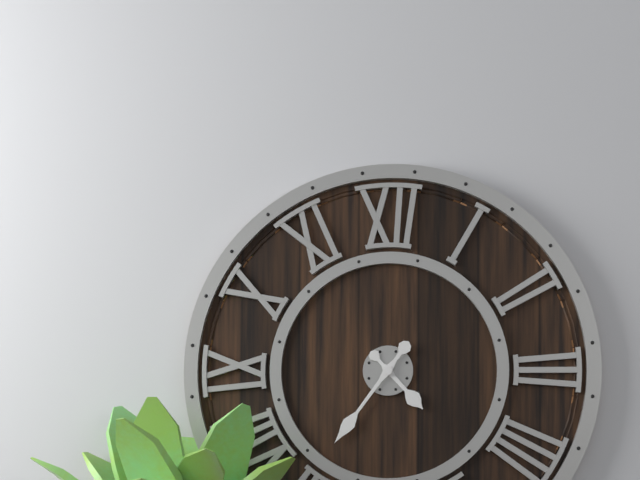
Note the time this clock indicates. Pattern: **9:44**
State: **4:36**
